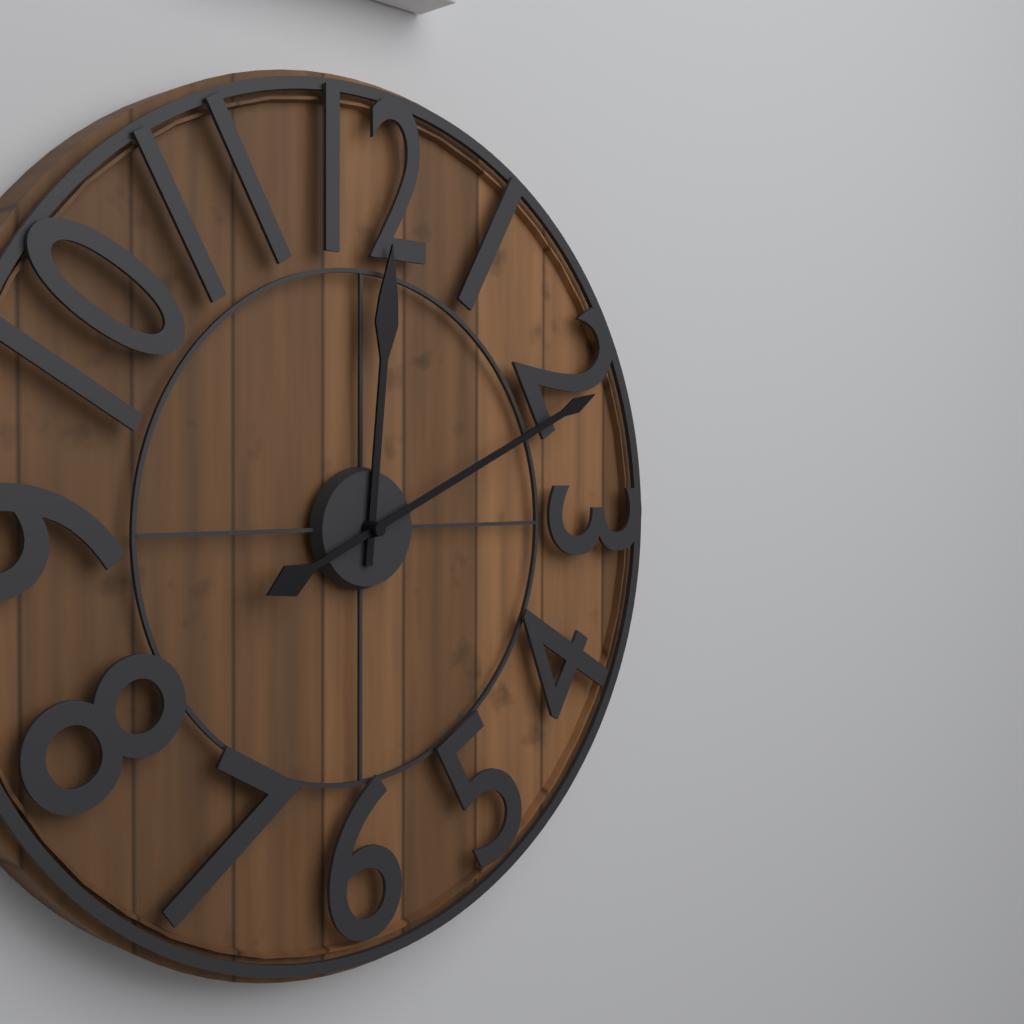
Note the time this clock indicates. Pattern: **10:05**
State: **12:11**
